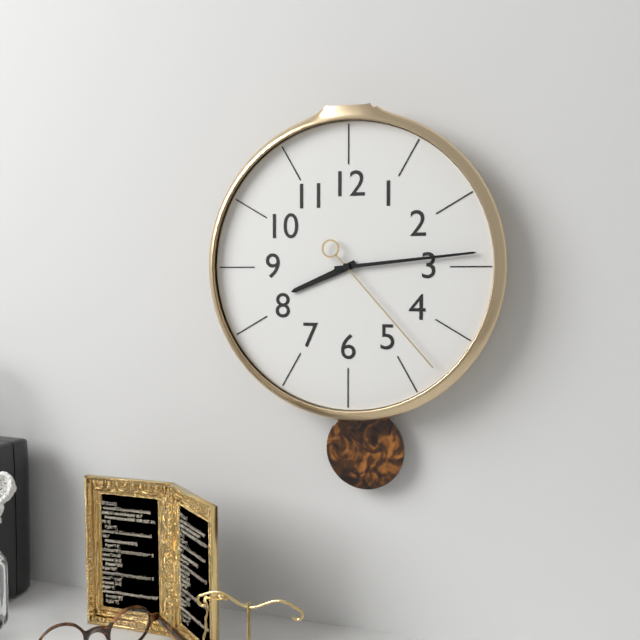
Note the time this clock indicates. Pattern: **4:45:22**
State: **8:14:23**
